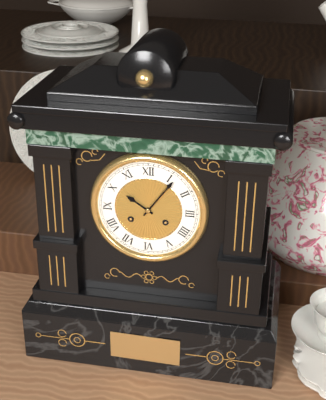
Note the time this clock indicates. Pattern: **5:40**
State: **10:06**
